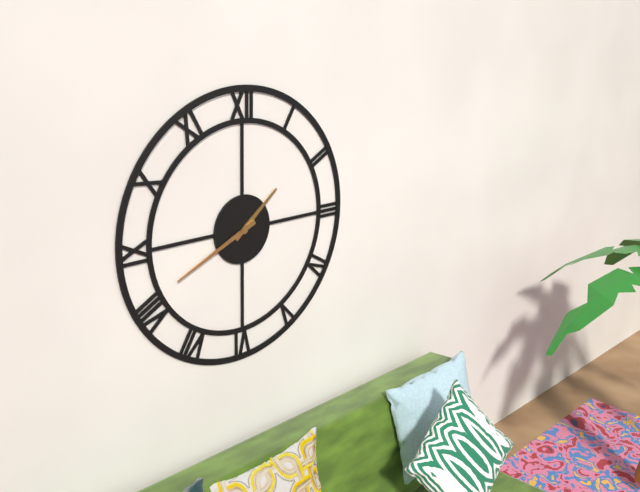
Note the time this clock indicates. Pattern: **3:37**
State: **1:41**
